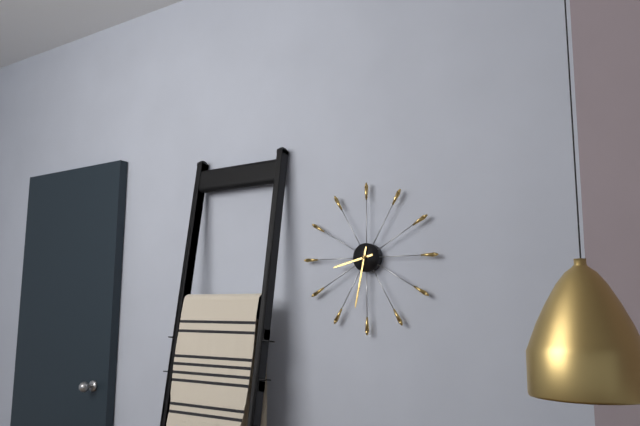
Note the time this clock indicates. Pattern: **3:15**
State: **8:32**
